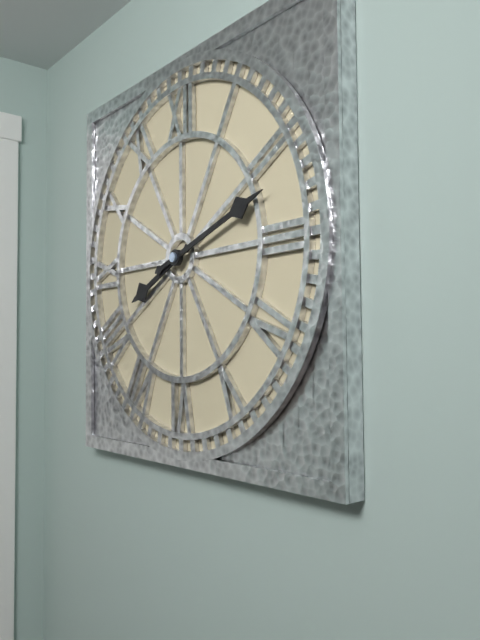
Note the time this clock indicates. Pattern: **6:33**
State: **8:12**
